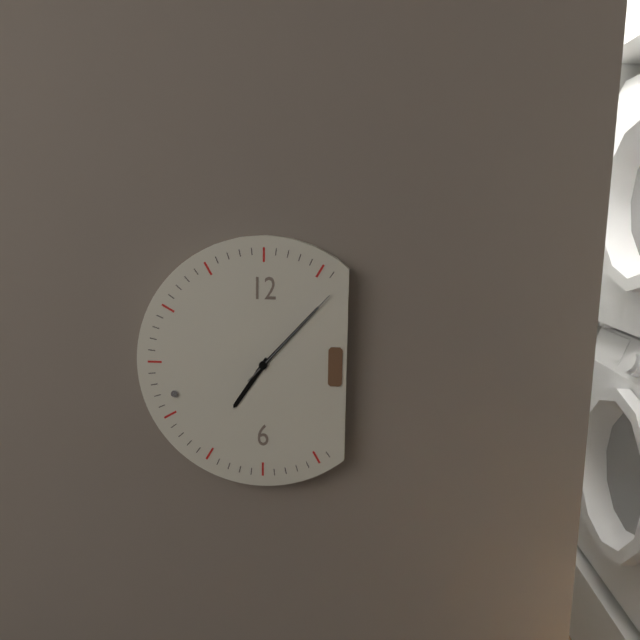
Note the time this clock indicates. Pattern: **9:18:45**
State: **7:07:07**
